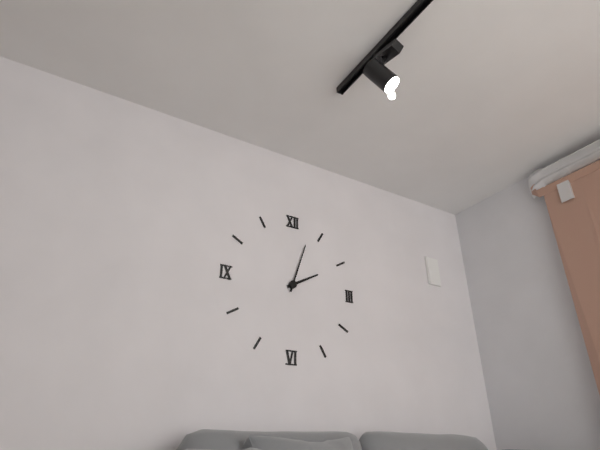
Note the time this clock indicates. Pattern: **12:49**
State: **2:03**
